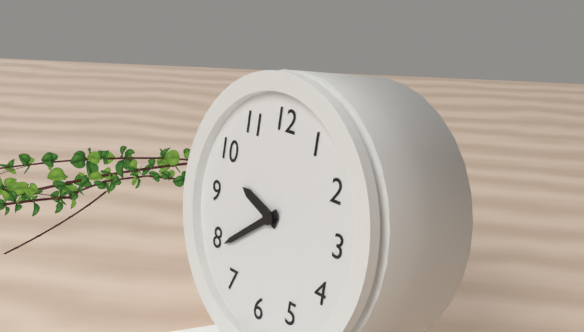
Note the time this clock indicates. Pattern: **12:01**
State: **9:39**
